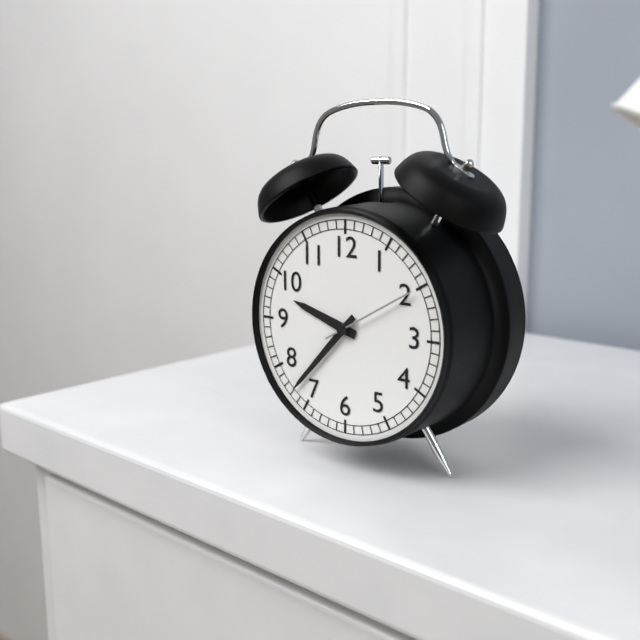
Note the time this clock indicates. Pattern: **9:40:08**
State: **9:37:10**
